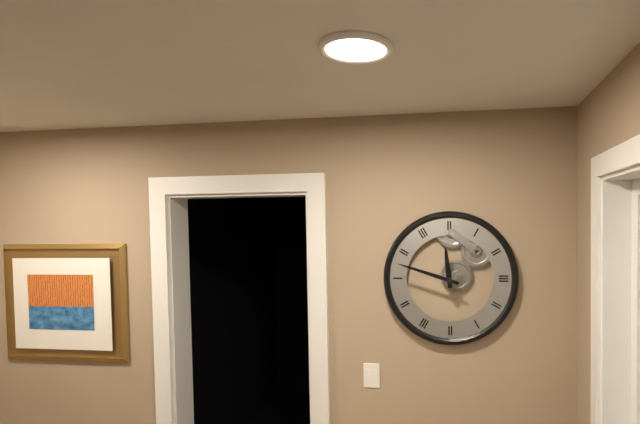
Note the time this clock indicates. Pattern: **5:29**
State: **11:48**
